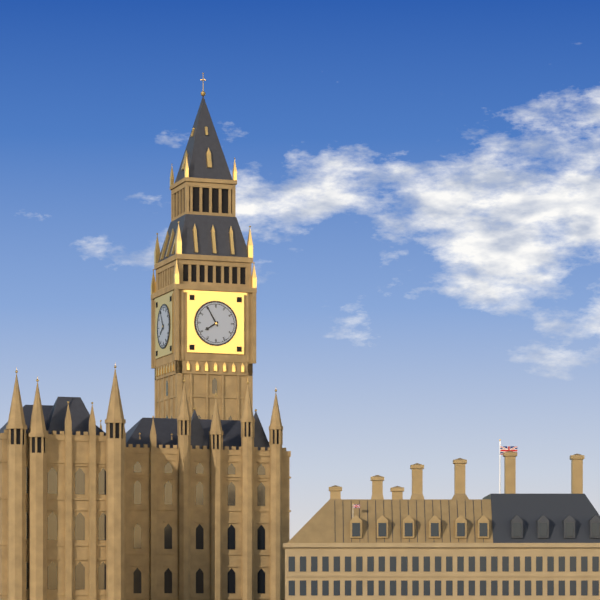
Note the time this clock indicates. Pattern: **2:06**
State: **7:55**
